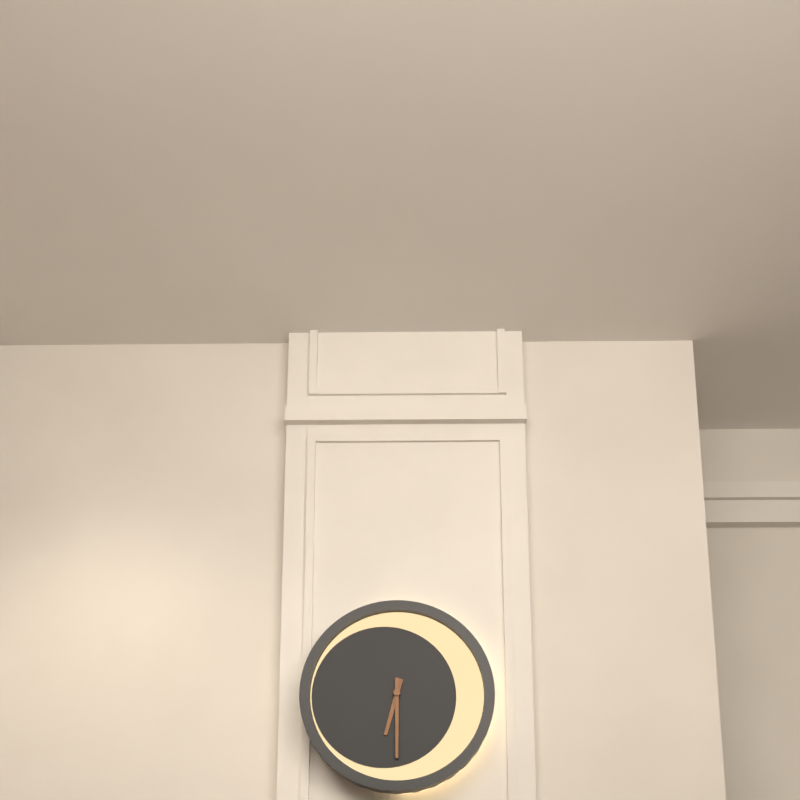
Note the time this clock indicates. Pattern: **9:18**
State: **6:30**
